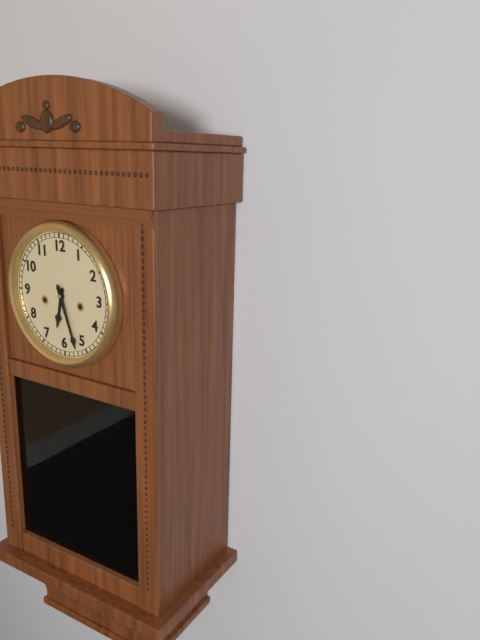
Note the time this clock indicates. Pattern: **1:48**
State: **6:27**
